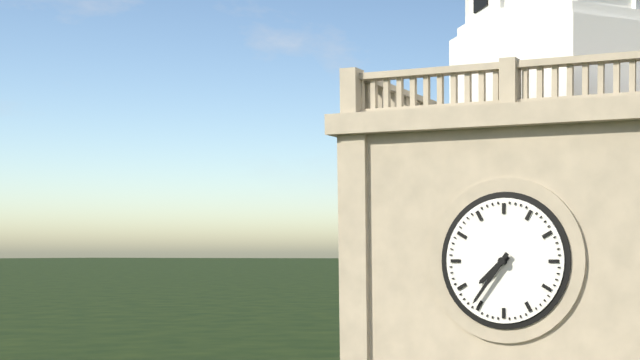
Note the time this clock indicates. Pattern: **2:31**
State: **7:36**
